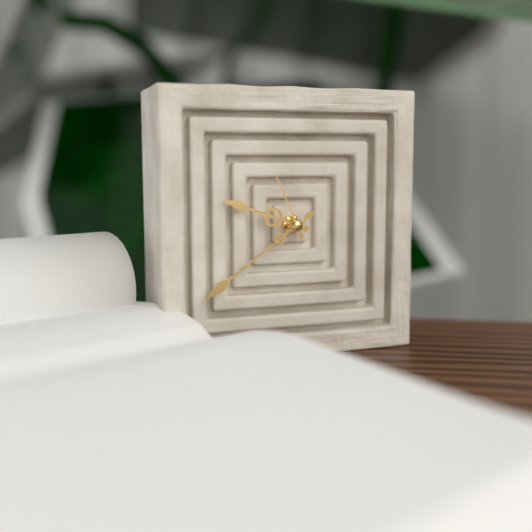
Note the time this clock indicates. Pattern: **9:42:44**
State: **9:39:56**
